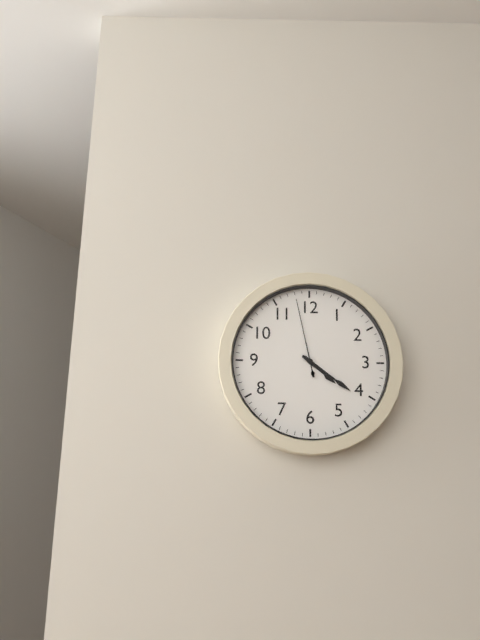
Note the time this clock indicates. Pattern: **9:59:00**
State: **4:21:58**
